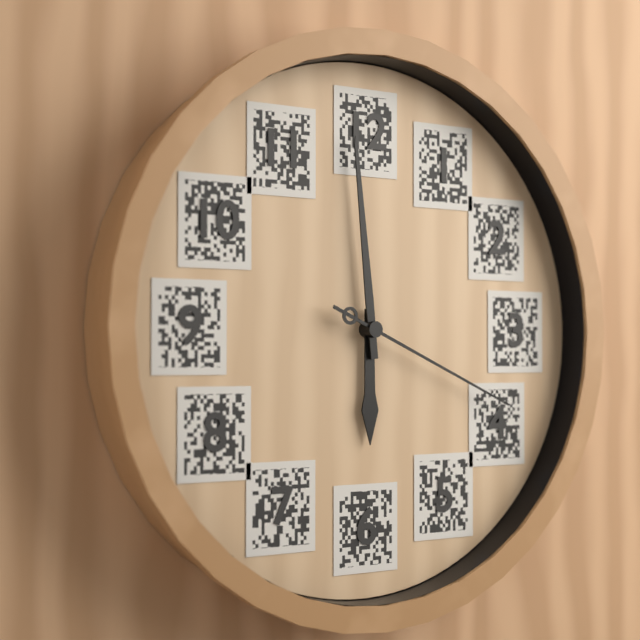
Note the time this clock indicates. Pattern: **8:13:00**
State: **5:59:19**
